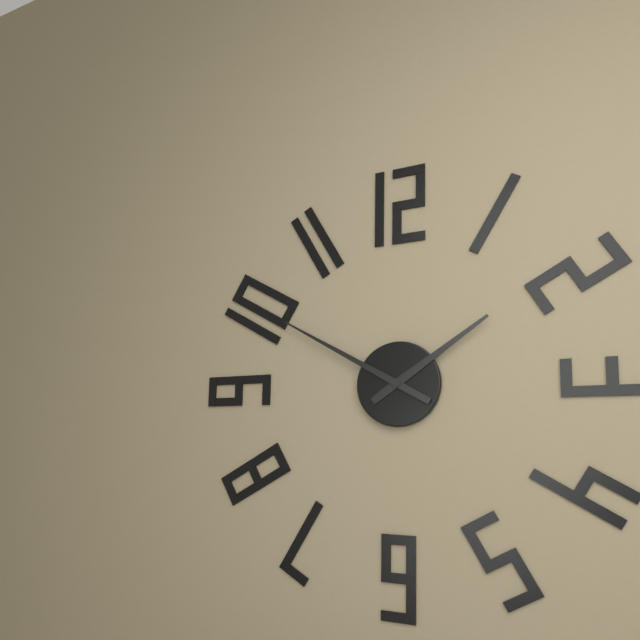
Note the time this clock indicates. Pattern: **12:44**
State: **1:50**
